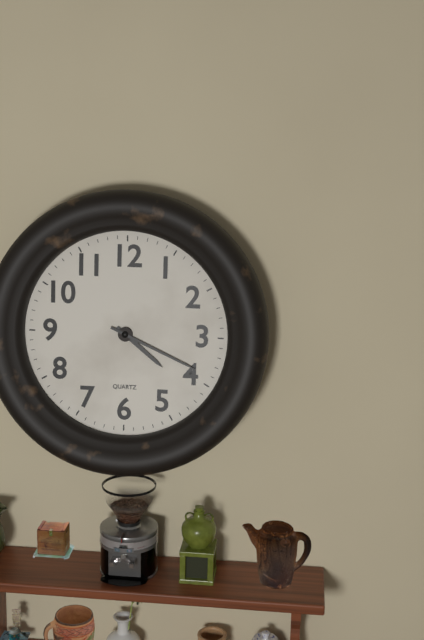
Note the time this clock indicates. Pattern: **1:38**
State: **4:19**
